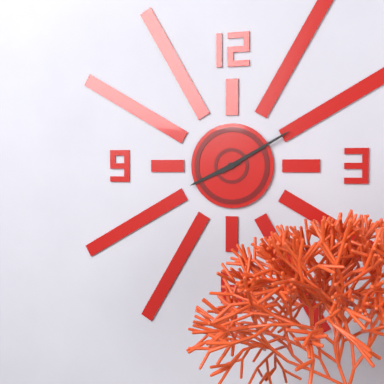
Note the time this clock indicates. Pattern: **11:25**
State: **8:10**
